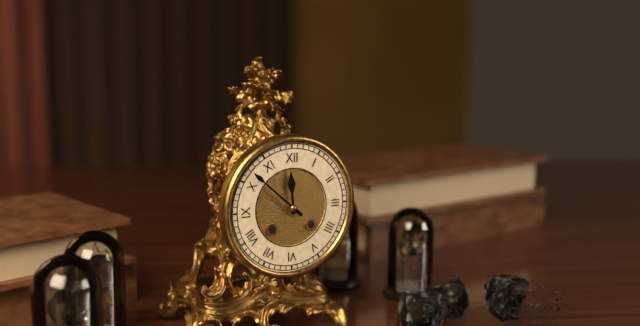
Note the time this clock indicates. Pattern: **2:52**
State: **11:52**
